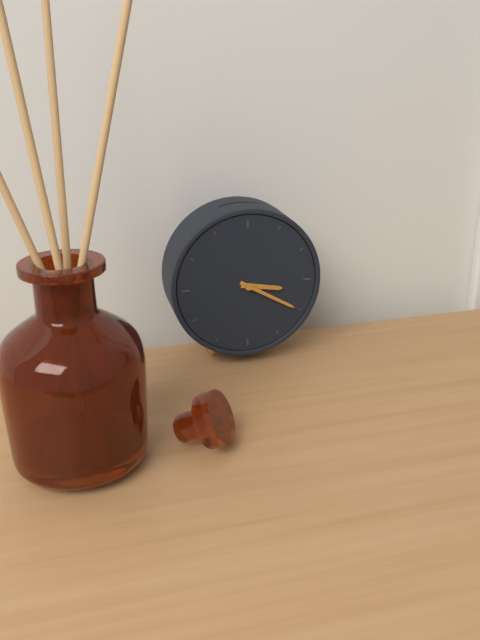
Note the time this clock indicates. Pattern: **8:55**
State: **3:20**
